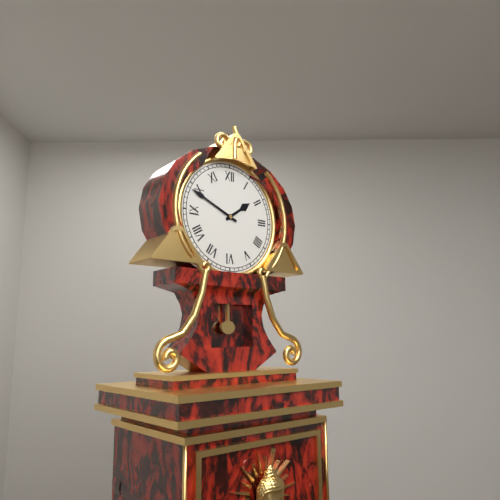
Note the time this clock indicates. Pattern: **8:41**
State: **1:49**
